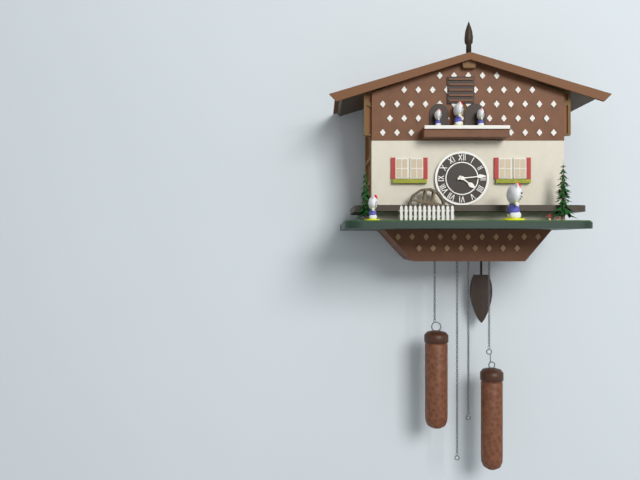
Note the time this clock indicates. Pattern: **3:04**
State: **4:14**
